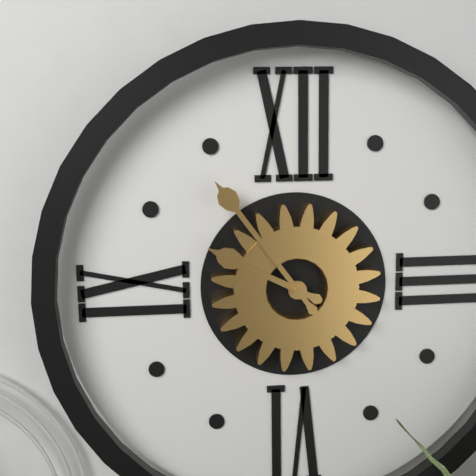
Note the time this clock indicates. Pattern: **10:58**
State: **9:54**
